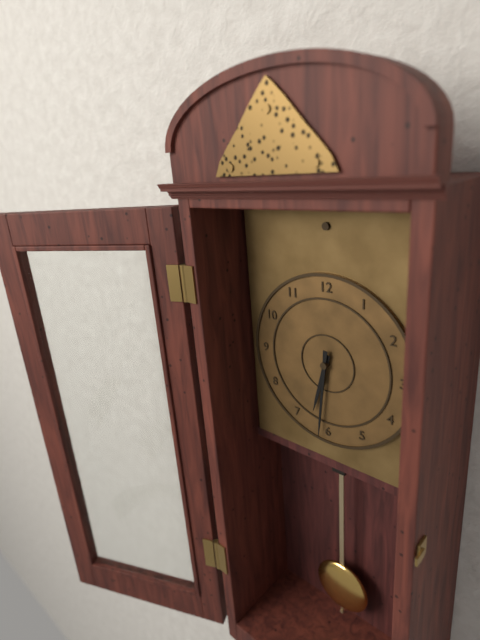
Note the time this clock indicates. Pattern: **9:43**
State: **6:31**
